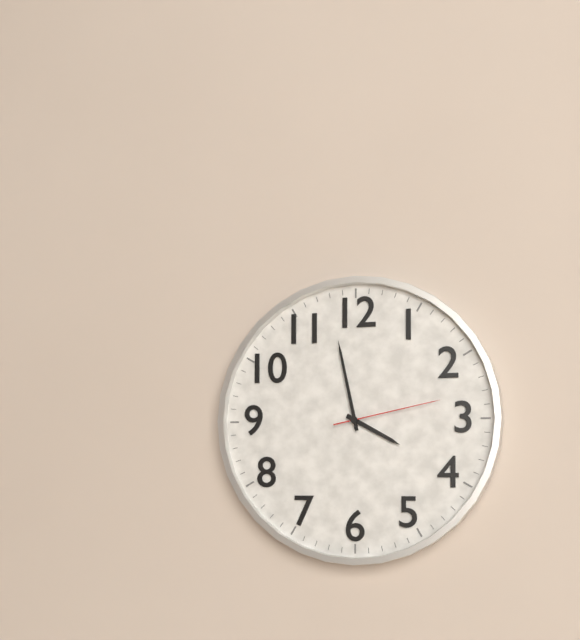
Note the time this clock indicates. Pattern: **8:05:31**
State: **3:58:13**
